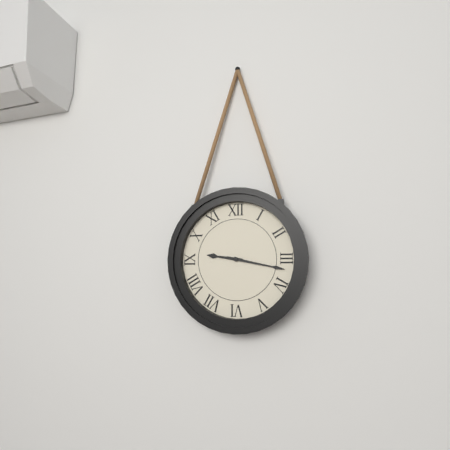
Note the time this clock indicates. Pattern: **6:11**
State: **9:17**
